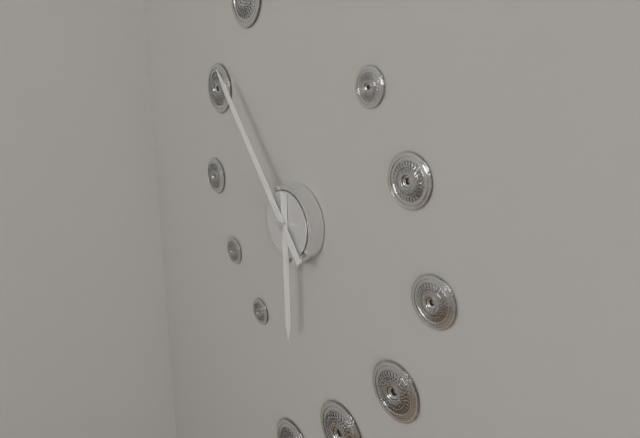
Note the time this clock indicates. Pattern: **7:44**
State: **5:53**
